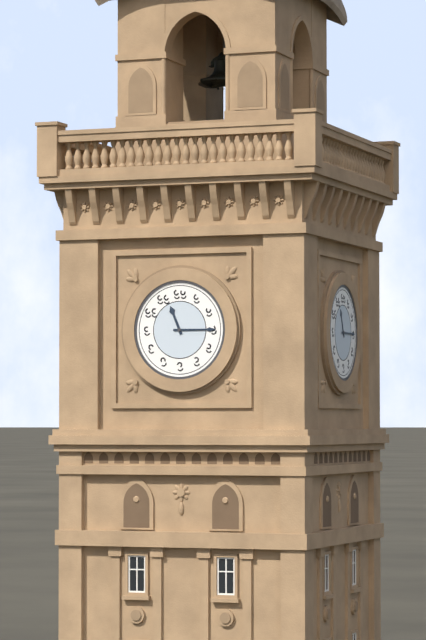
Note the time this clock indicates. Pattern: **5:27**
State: **11:15**
